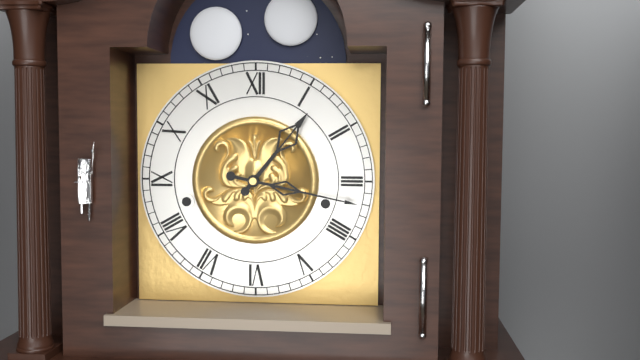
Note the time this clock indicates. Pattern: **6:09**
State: **1:17**
